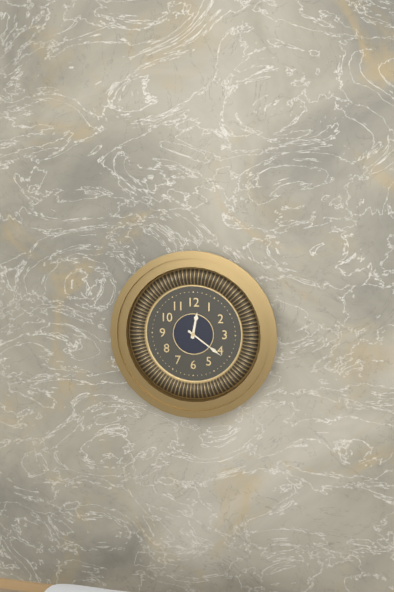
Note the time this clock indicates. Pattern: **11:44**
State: **12:21**
